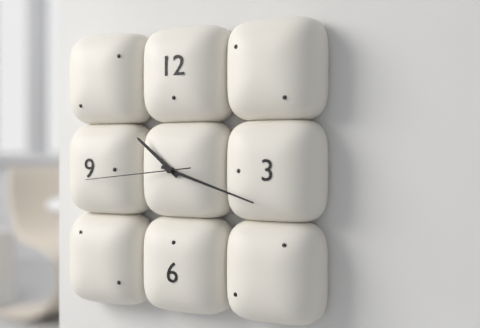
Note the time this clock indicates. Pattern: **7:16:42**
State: **10:18:44**
